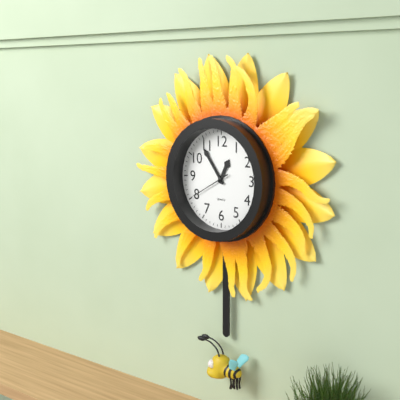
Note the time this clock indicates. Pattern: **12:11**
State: **12:54**
